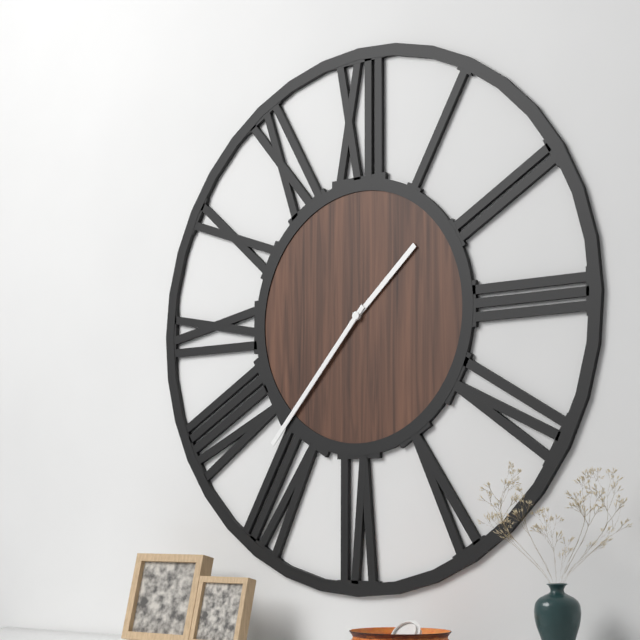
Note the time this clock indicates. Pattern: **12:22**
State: **1:37**
